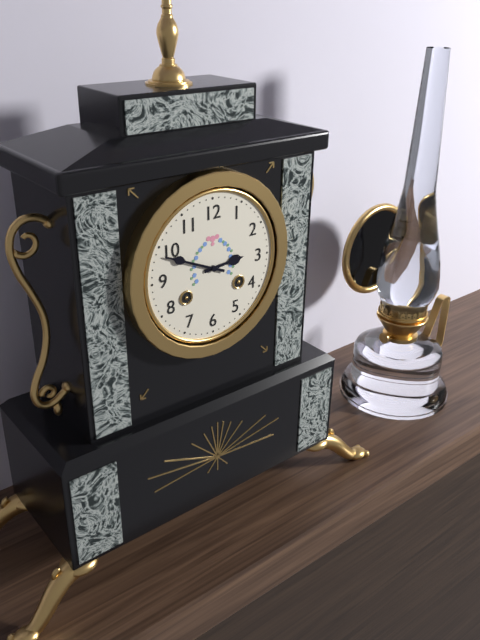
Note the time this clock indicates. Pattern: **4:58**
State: **2:49**
